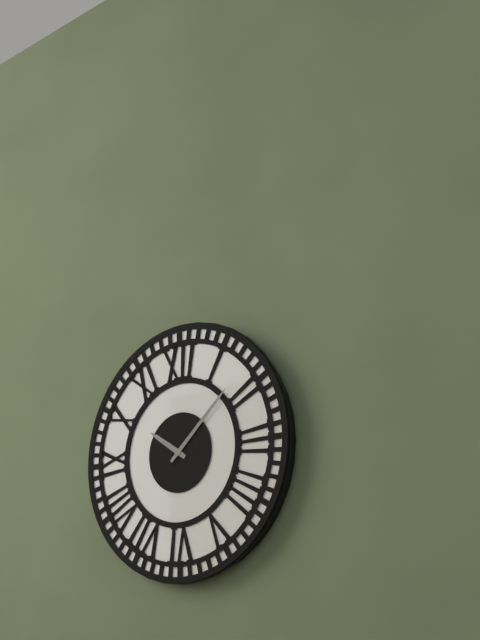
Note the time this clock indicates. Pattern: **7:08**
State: **10:08**
